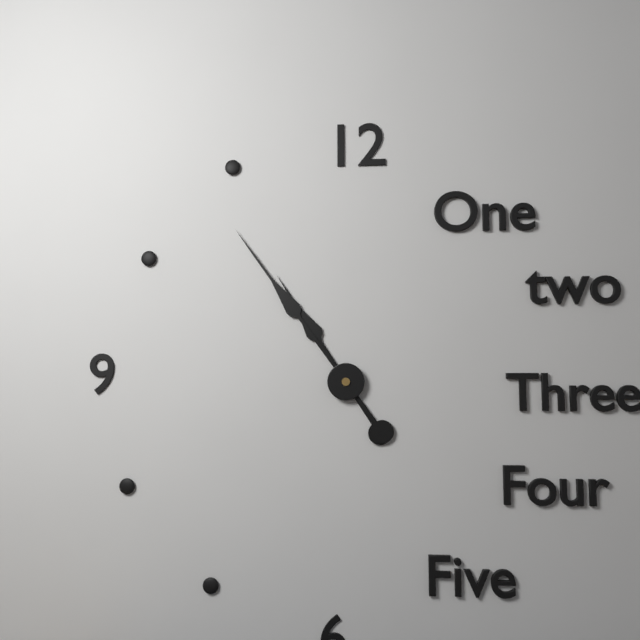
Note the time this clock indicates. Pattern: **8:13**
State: **10:54**
